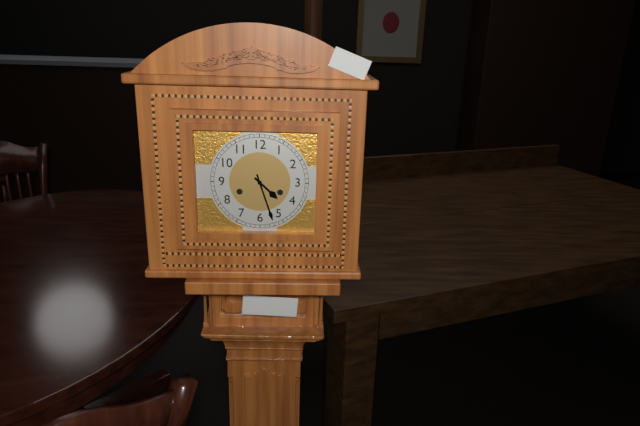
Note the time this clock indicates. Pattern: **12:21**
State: **4:27**
